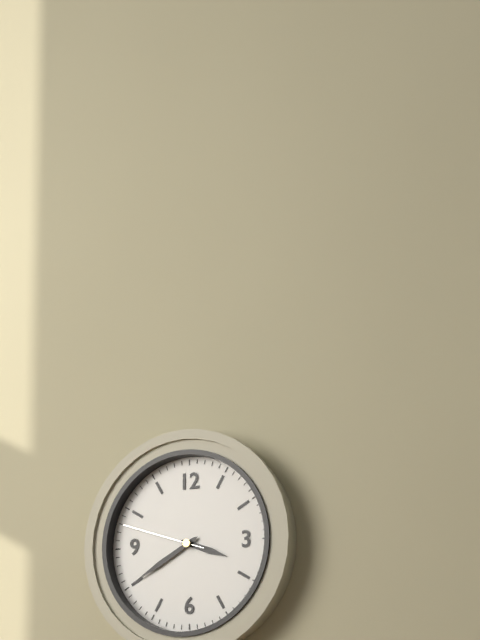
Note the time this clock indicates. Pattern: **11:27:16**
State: **3:40:48**
